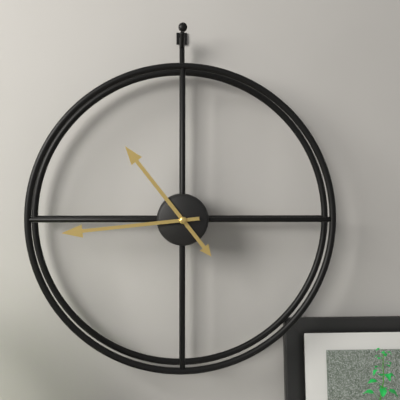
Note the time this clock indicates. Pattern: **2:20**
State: **10:44**
